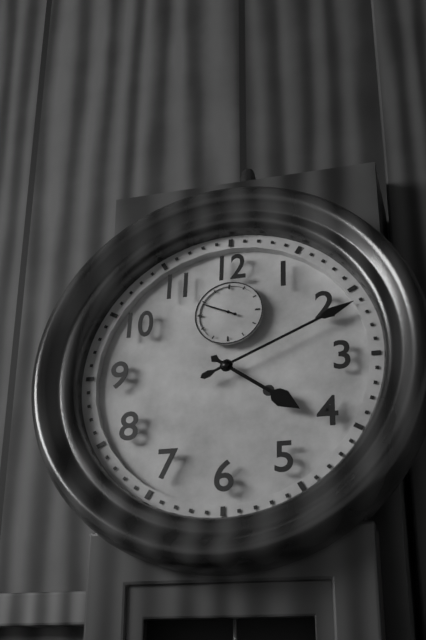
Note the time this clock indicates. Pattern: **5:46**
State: **4:11**
